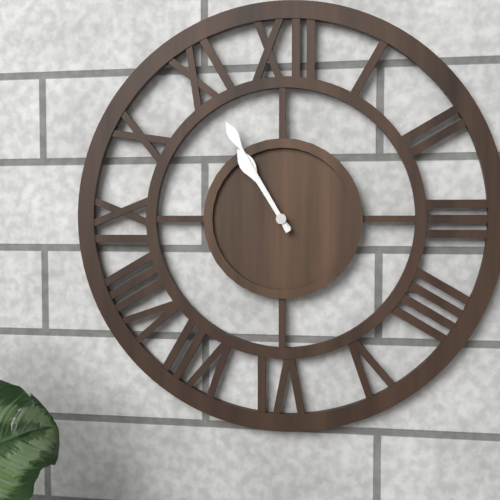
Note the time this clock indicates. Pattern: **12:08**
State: **10:55**
